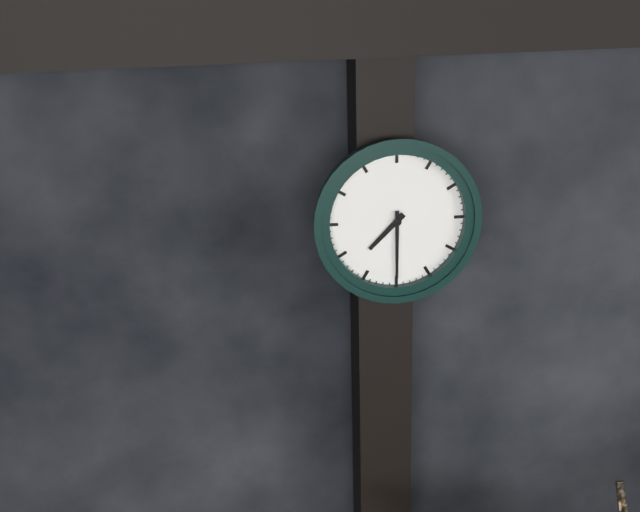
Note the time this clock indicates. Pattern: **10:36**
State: **7:30**
